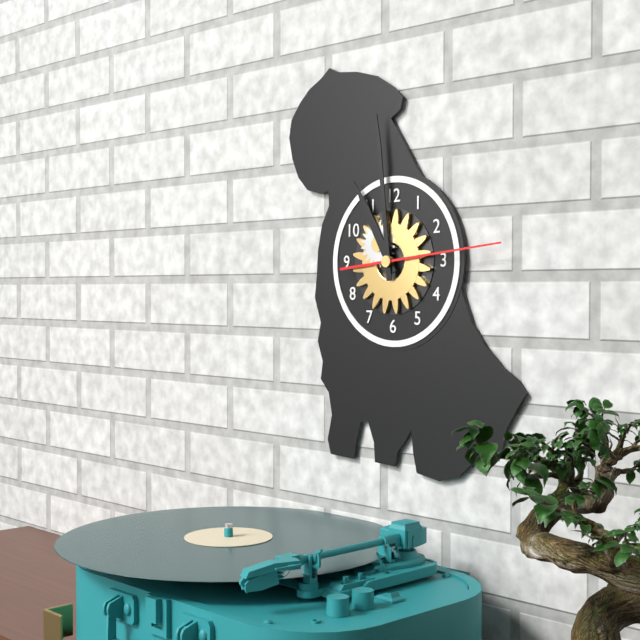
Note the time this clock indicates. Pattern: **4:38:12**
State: **10:59:14**
